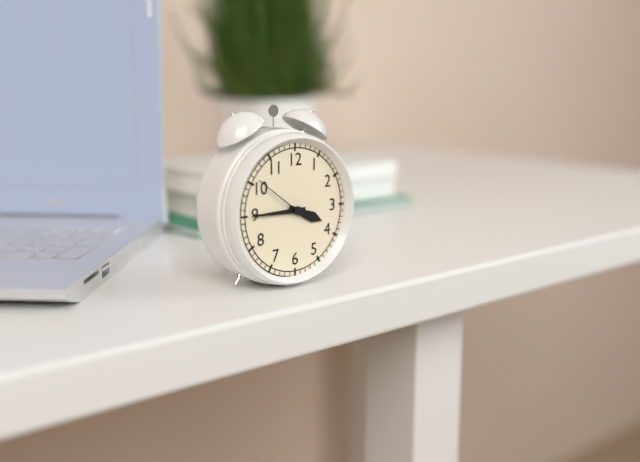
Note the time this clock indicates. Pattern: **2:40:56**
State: **3:45:51**
